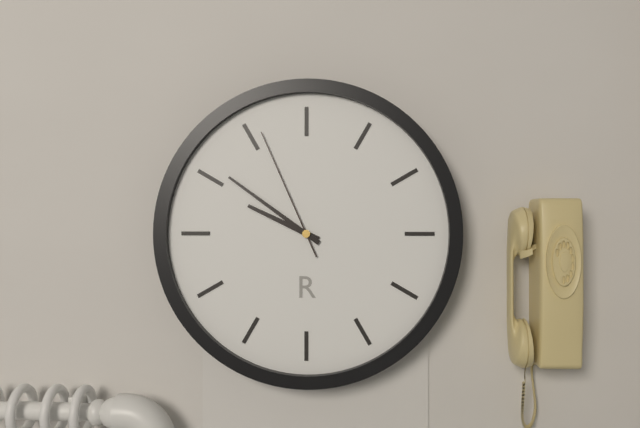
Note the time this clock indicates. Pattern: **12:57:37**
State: **9:51:56**
